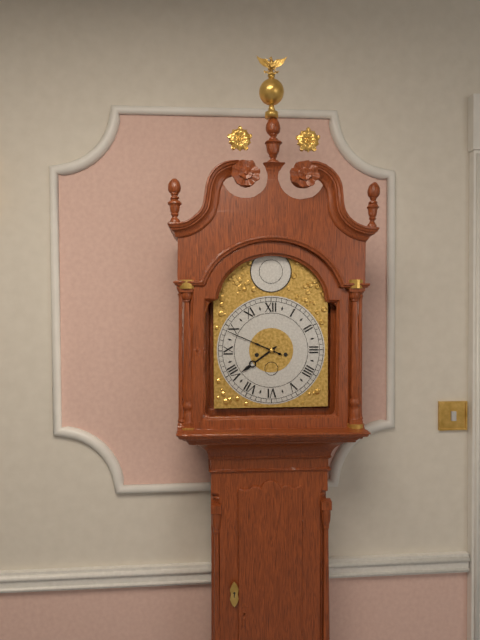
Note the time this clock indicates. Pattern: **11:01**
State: **7:49**
